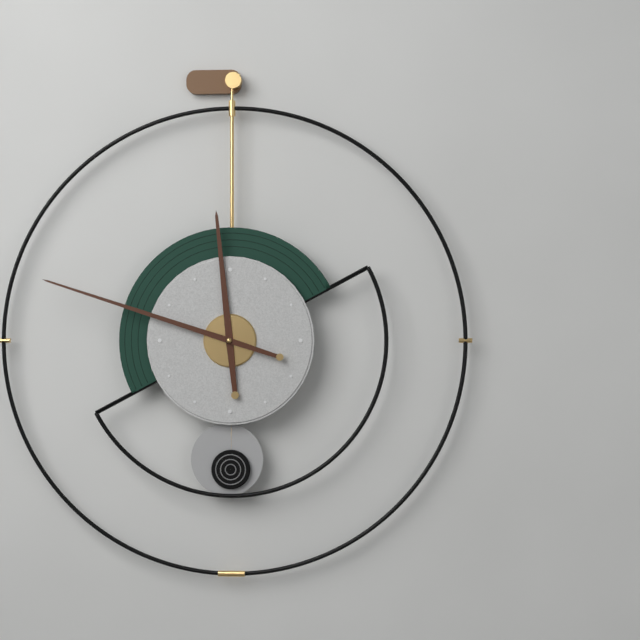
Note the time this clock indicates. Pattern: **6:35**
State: **11:48**
